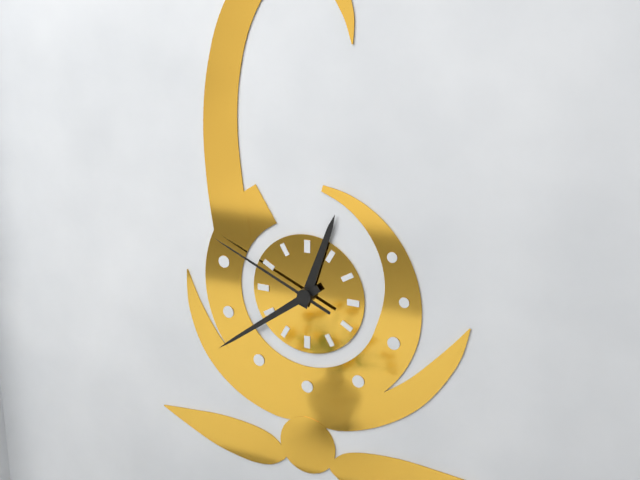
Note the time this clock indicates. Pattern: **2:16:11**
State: **12:39:49**
